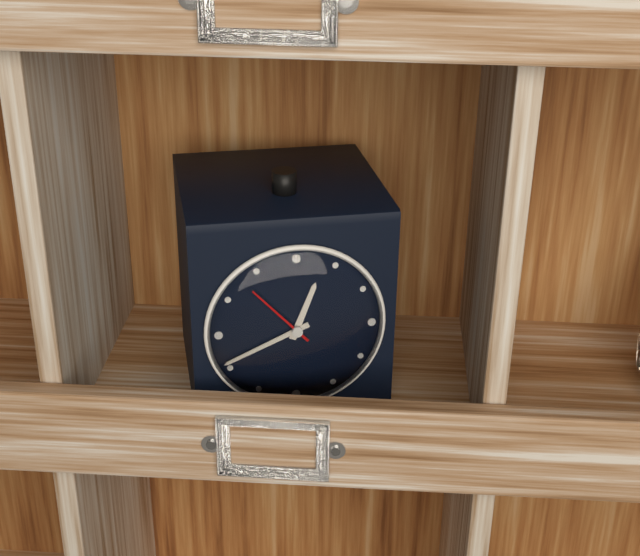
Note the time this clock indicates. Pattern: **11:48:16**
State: **12:41:53**
